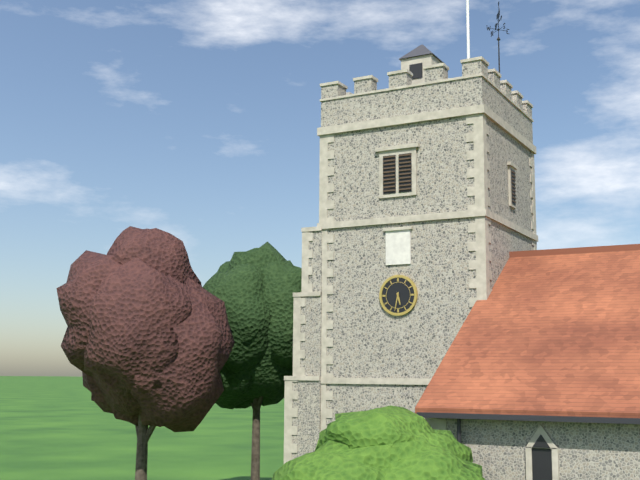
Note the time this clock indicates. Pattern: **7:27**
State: **5:32**
